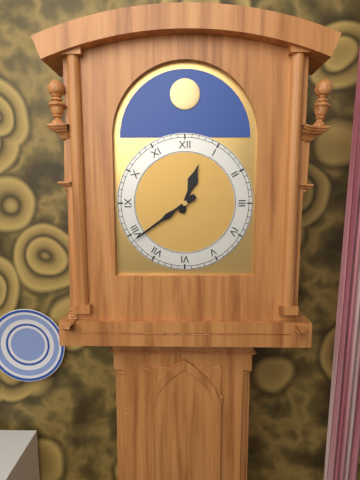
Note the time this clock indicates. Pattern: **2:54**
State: **12:39**
